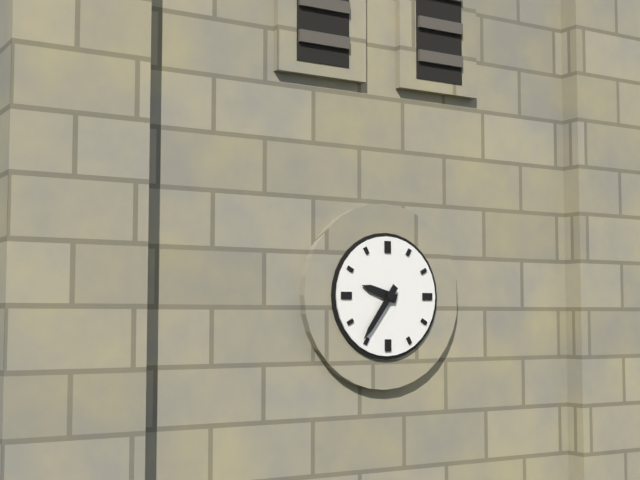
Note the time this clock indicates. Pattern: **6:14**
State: **9:36**
